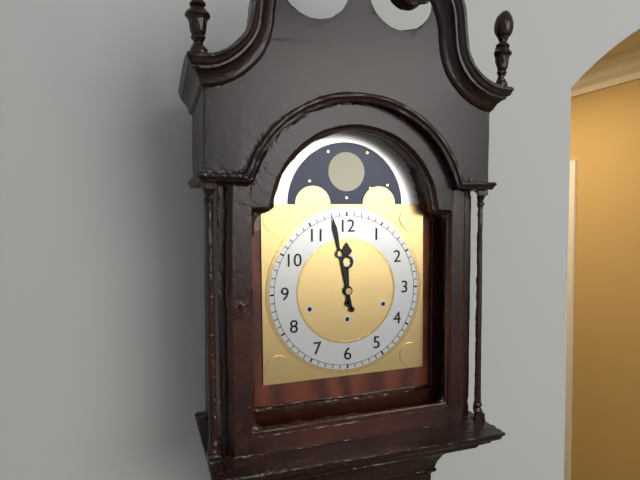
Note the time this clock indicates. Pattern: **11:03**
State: **11:58**
